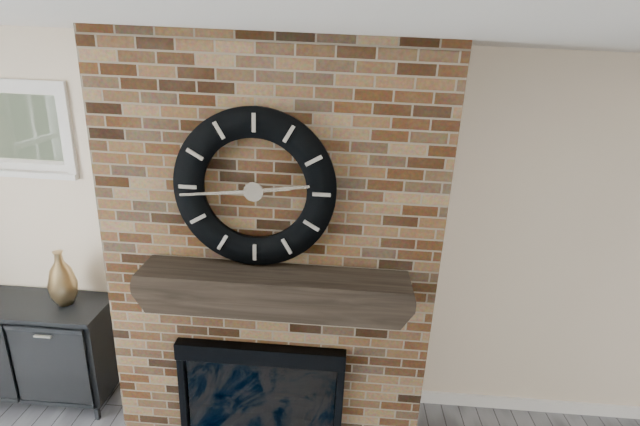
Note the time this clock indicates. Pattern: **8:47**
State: **2:44**
